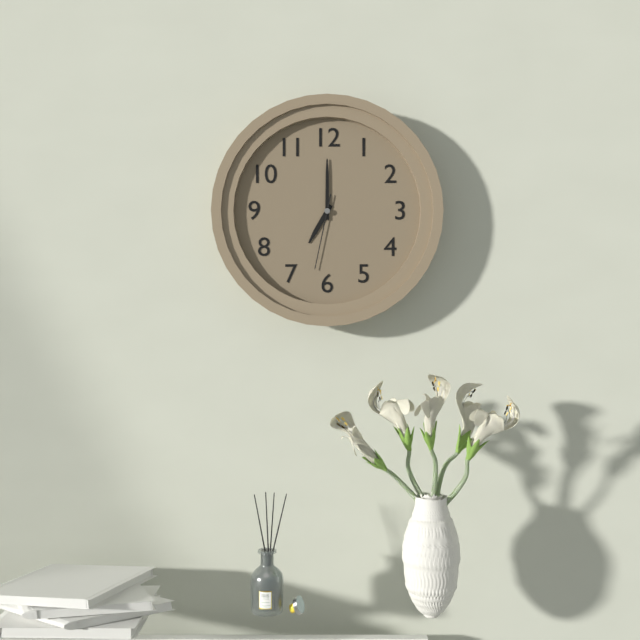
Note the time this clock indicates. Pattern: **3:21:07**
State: **7:00:32**
